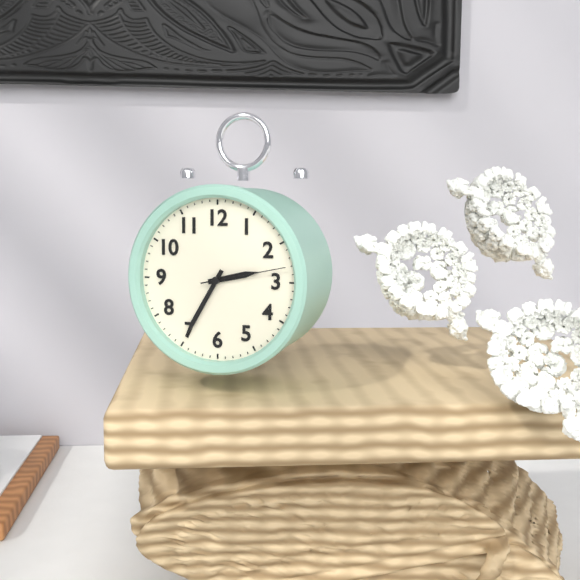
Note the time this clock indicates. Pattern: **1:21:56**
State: **2:35:13**
